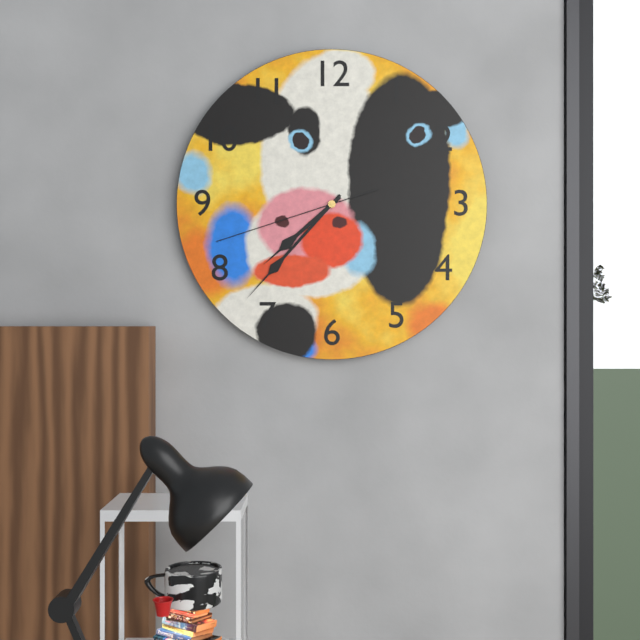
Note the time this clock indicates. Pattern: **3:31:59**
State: **7:37:42**
